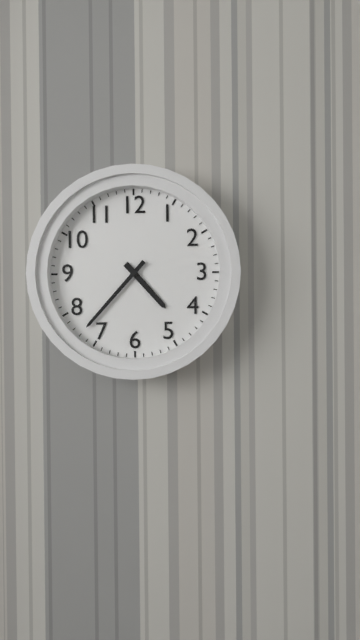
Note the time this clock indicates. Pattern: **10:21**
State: **4:37**
